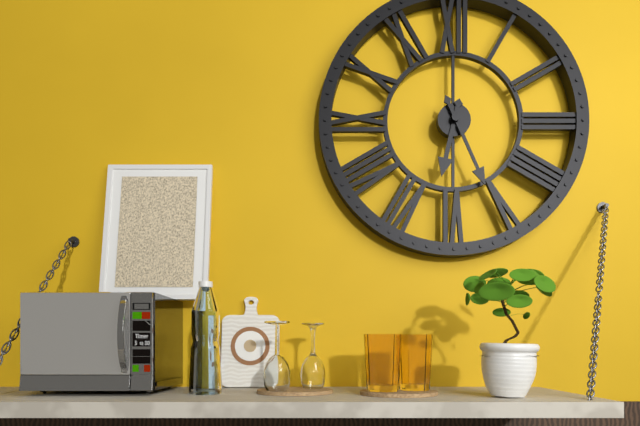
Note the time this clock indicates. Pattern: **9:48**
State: **6:26**
